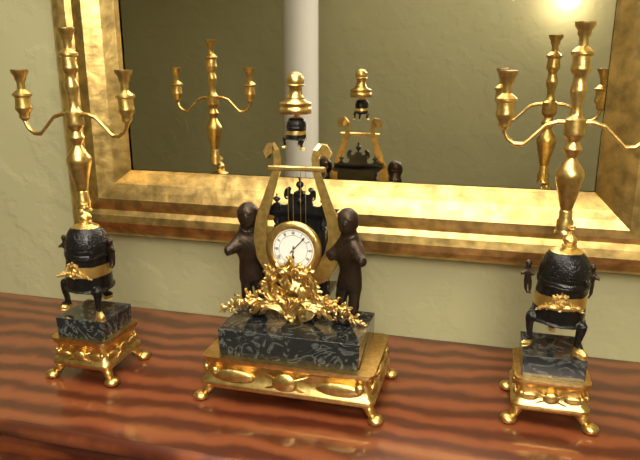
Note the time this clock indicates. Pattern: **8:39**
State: **6:07**
